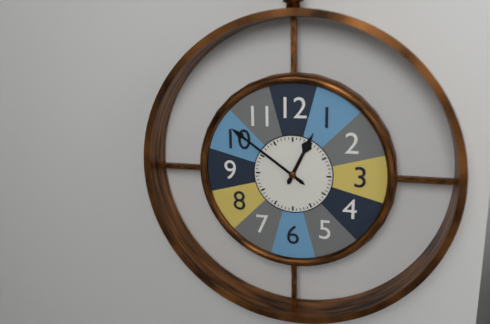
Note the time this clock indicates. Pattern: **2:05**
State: **12:51**
